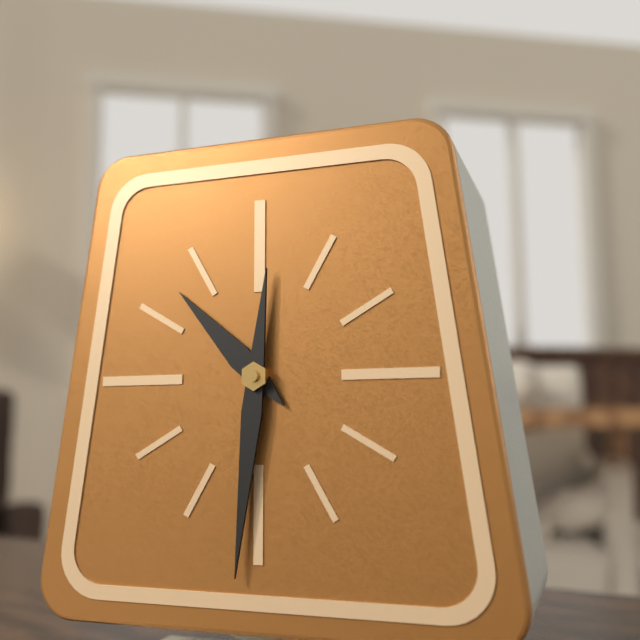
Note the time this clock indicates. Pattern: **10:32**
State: **10:31**
